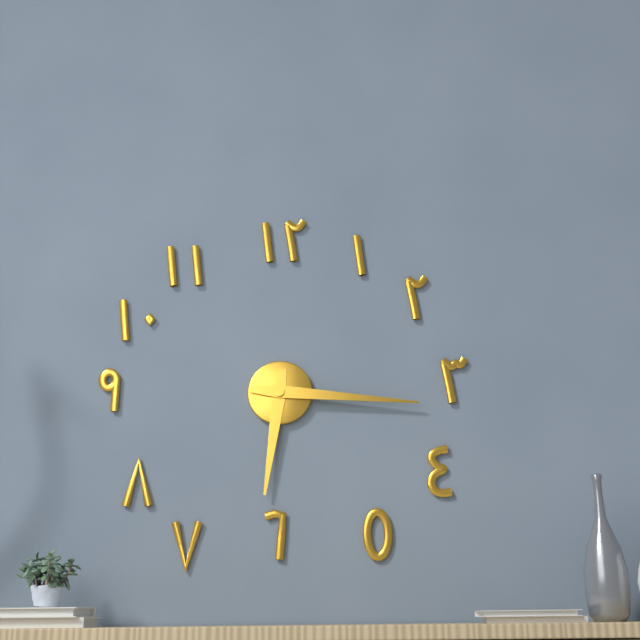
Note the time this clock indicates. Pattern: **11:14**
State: **6:16**
